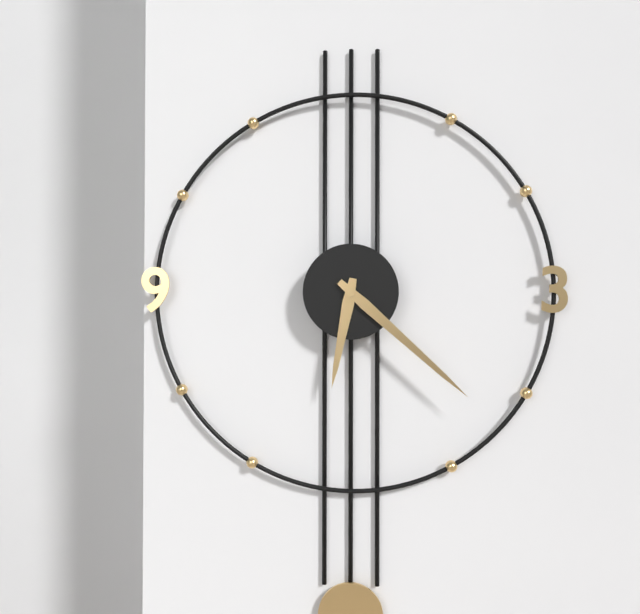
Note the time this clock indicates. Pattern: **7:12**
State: **6:22**
